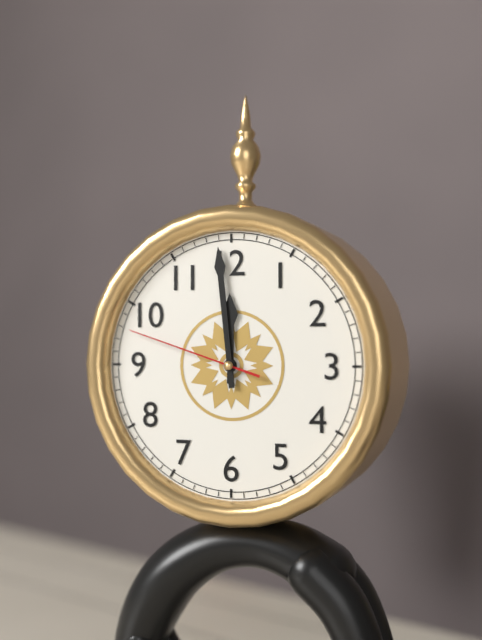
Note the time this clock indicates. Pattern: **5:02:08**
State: **11:59:48**
